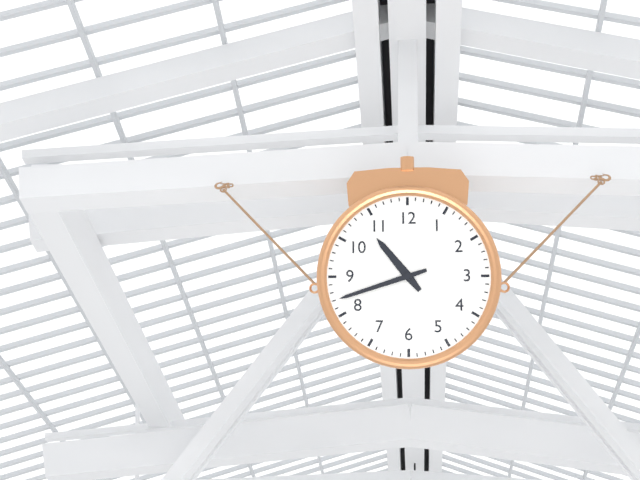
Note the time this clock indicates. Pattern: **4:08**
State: **10:42**
